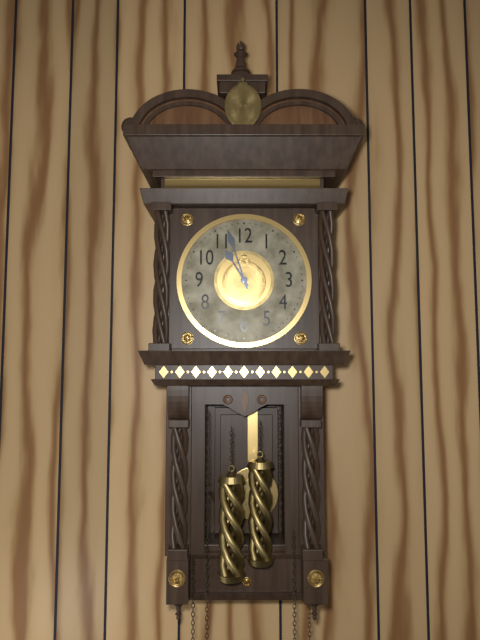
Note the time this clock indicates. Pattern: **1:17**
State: **10:57**
